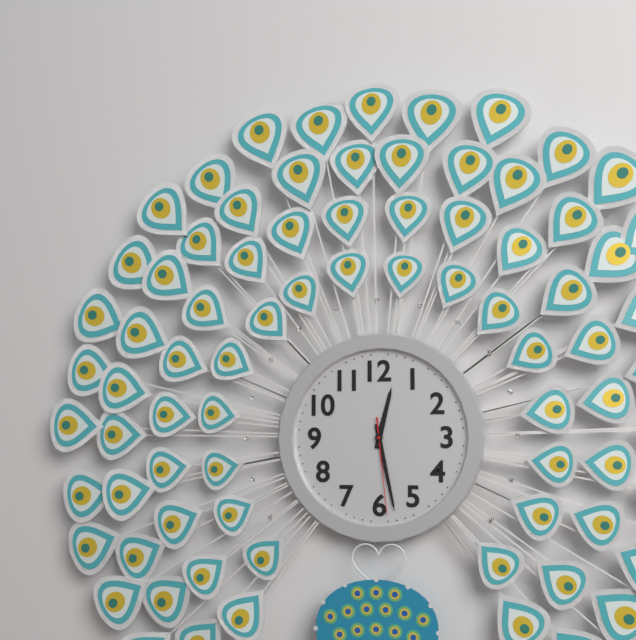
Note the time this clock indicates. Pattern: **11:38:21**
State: **12:28:29**
